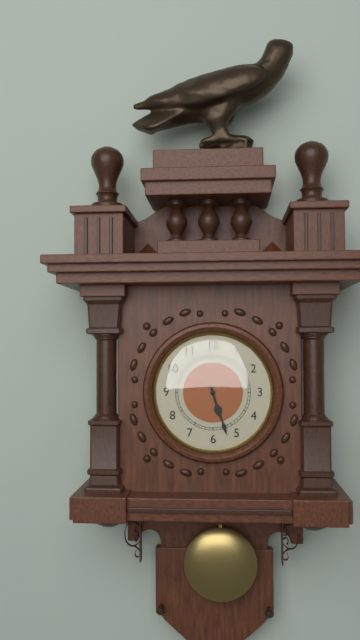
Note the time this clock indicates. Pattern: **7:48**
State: **5:27**
